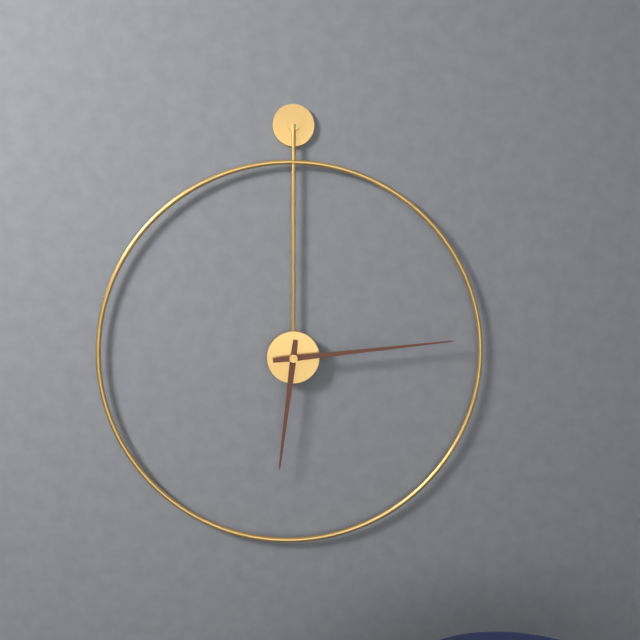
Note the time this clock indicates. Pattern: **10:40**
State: **6:14**
